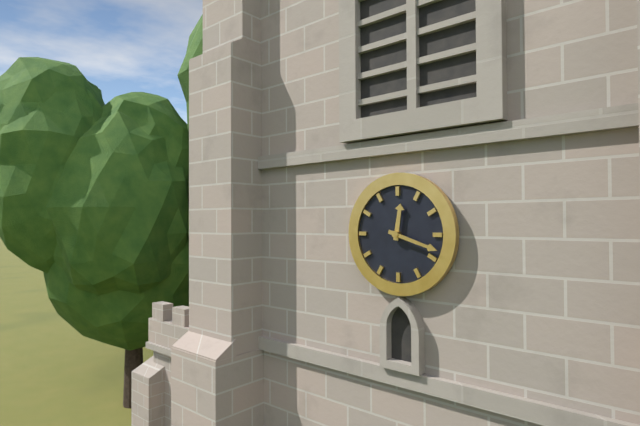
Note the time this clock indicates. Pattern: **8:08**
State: **12:18**
